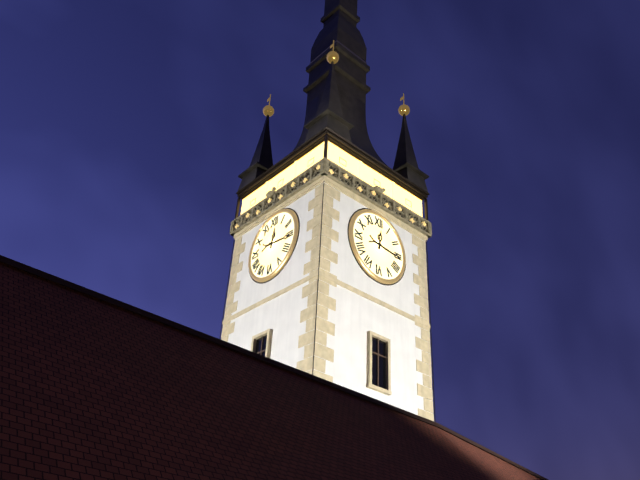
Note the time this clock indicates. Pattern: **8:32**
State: **12:16**
